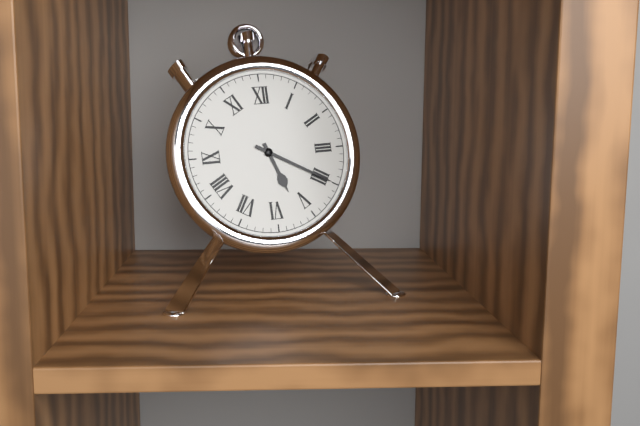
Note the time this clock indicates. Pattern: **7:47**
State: **5:20**
